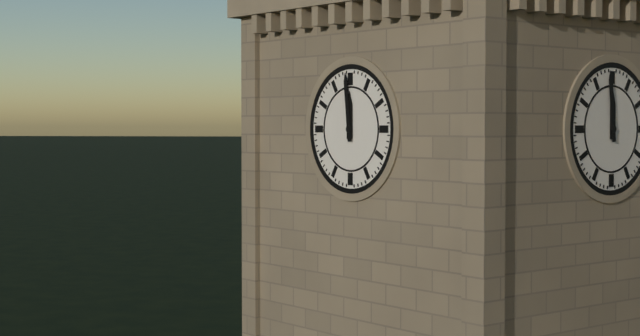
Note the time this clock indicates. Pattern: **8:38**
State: **11:59**
